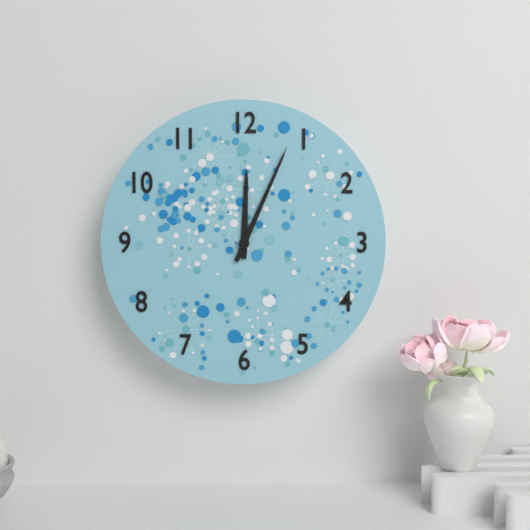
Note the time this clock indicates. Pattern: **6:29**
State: **12:04**
